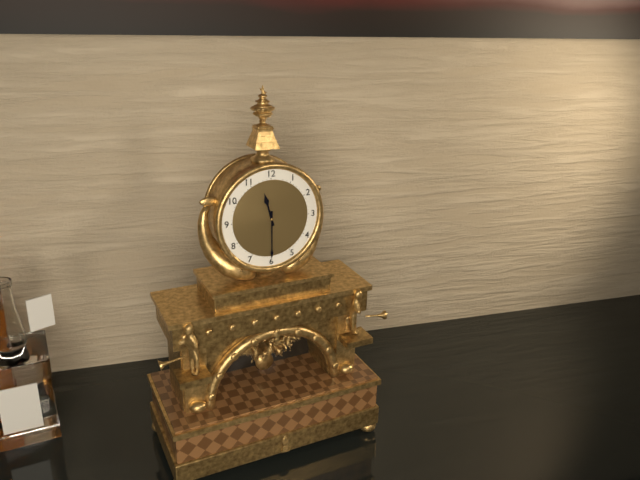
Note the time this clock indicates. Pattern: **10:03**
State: **11:30**
